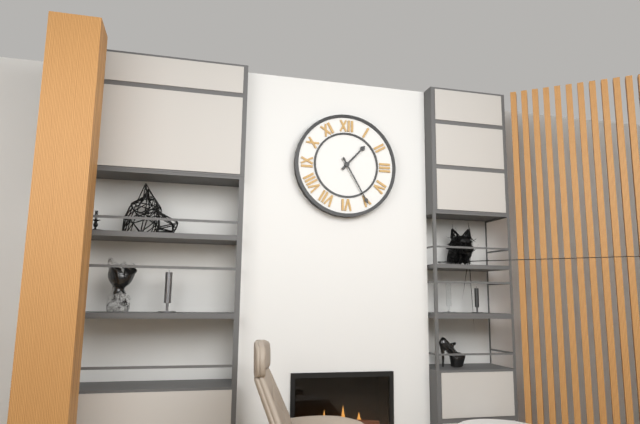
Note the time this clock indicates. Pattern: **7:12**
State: **1:25**
